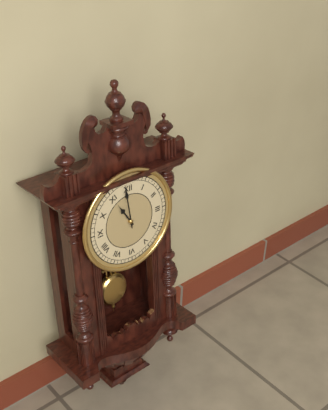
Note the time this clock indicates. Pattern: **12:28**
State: **10:59**
